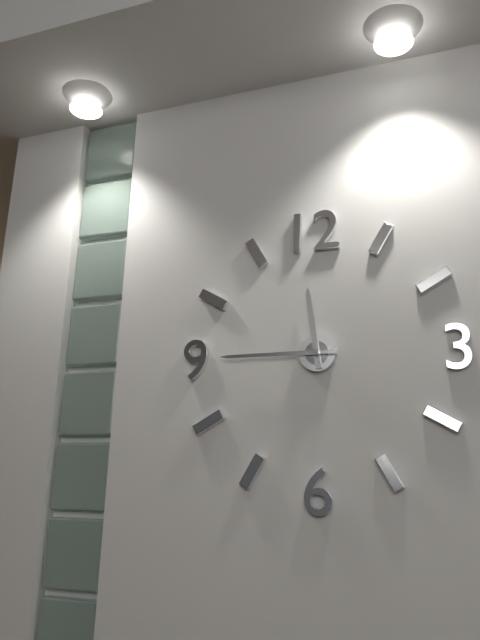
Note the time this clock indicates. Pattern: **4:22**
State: **11:45**
